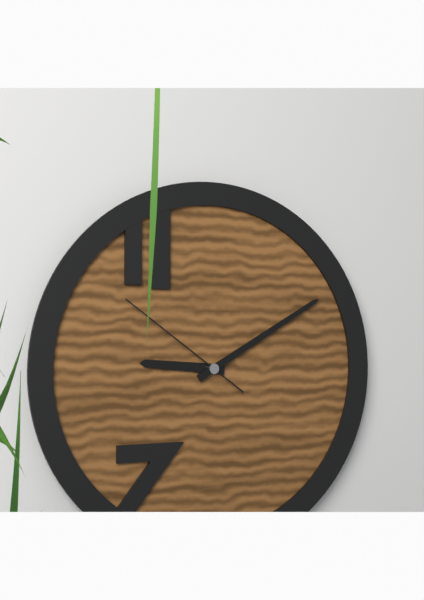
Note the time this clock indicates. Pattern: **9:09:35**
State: **9:10:51**
